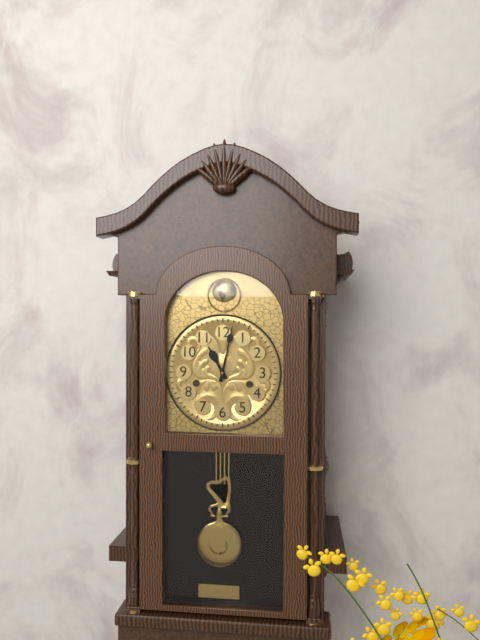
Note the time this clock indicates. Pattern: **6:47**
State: **11:02**
